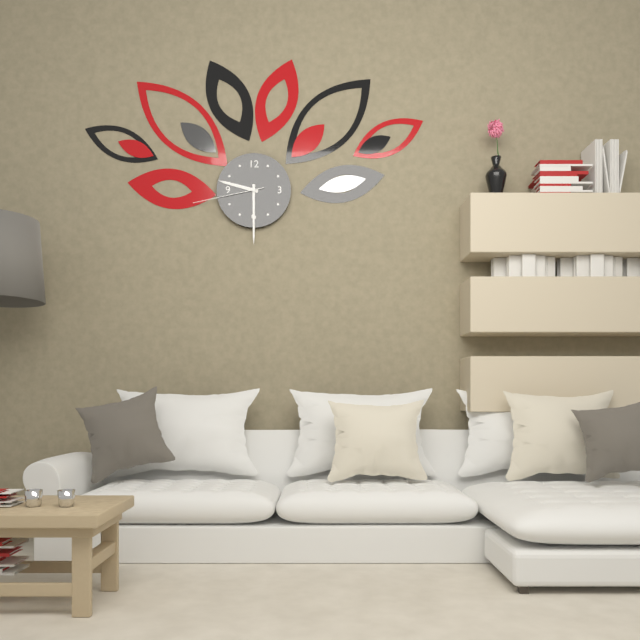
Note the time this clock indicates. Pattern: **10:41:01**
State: **9:30:43**
